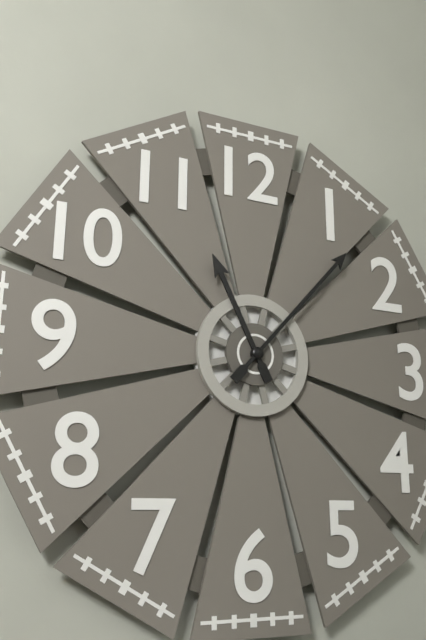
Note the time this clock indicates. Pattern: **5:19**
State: **11:07**
